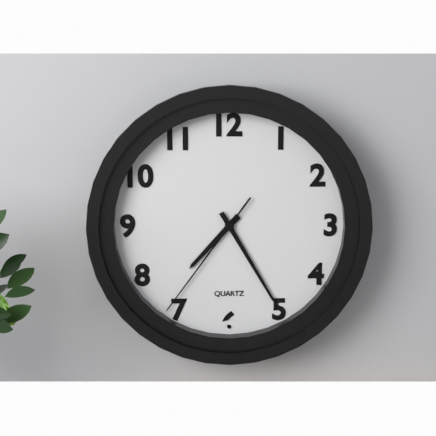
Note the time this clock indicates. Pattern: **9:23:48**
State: **7:25:36**
